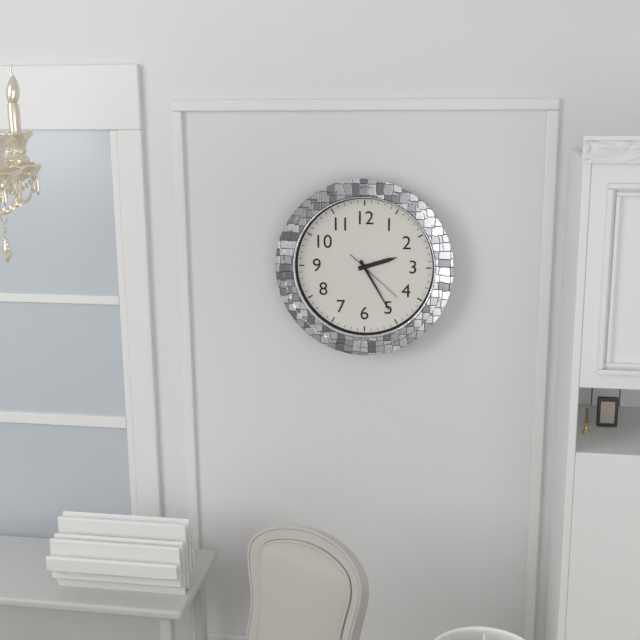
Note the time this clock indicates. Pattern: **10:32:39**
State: **2:25:22**
